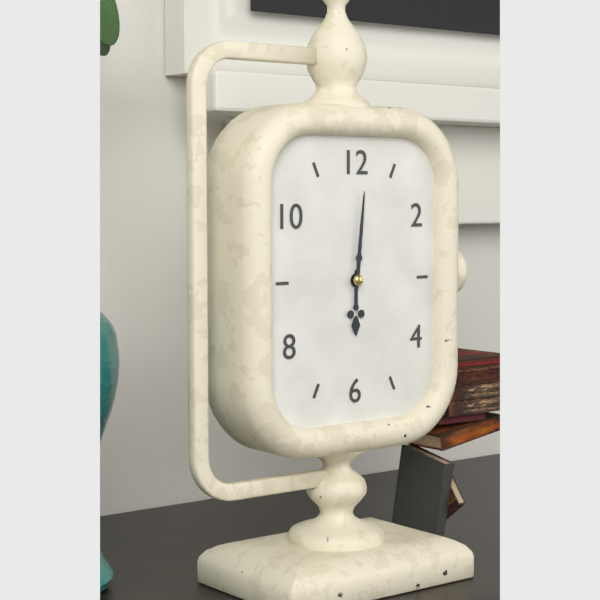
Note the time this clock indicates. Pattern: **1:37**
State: **6:01**
